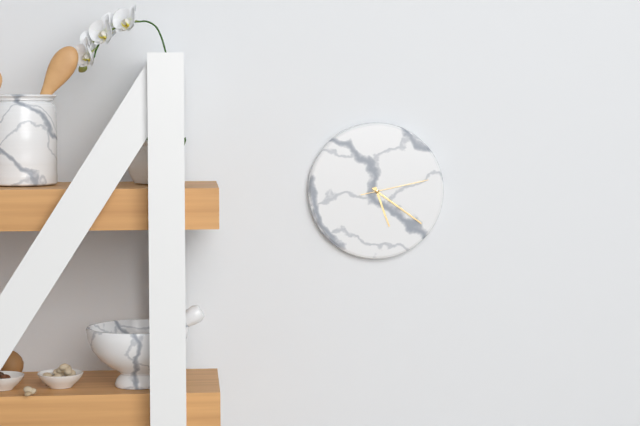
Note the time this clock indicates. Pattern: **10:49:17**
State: **5:21:13**
